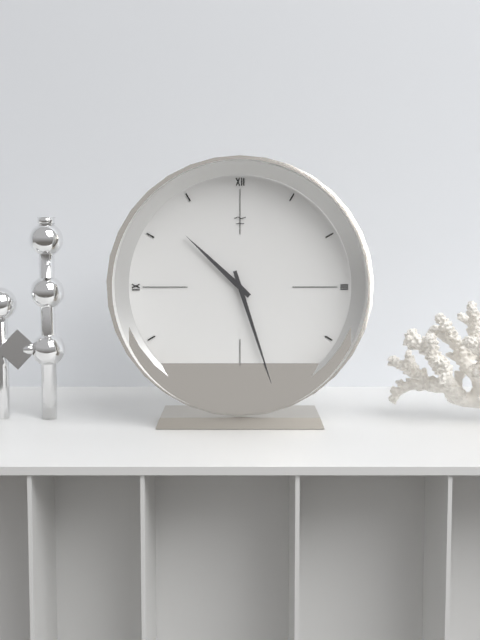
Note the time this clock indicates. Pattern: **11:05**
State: **10:27**
